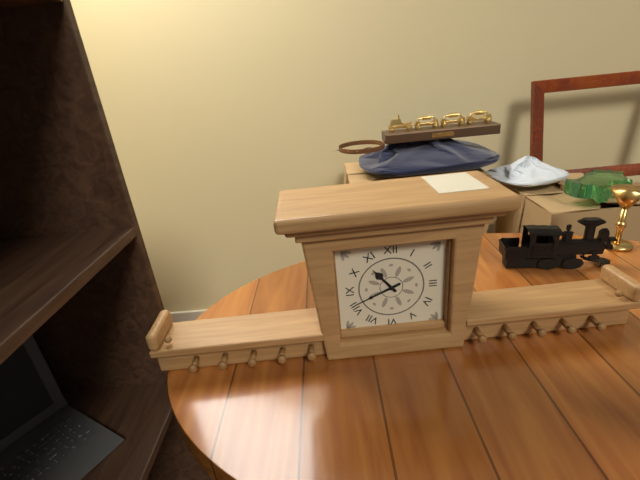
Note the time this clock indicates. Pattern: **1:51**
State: **10:41**
